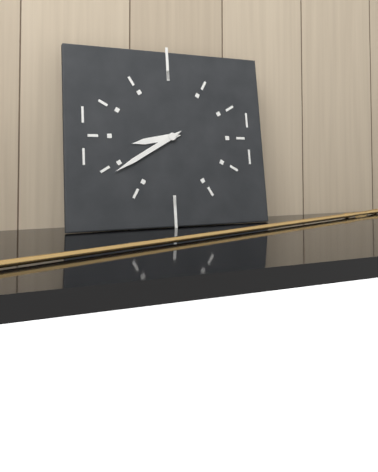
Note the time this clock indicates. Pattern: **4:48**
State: **8:40**
